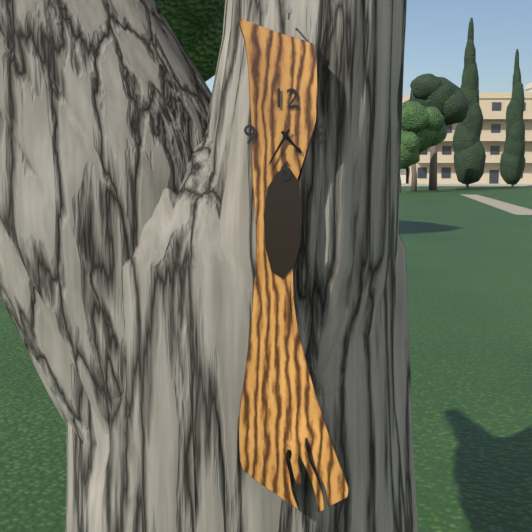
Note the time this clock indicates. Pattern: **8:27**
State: **4:35**
